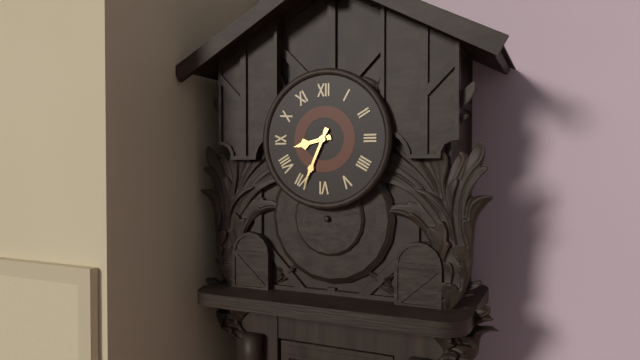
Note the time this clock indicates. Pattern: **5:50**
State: **8:34**
